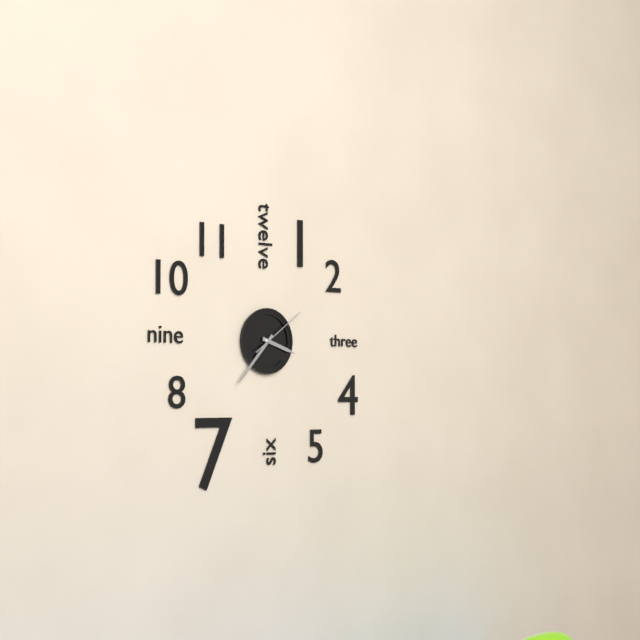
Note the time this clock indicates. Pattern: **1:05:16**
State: **3:37:09**
